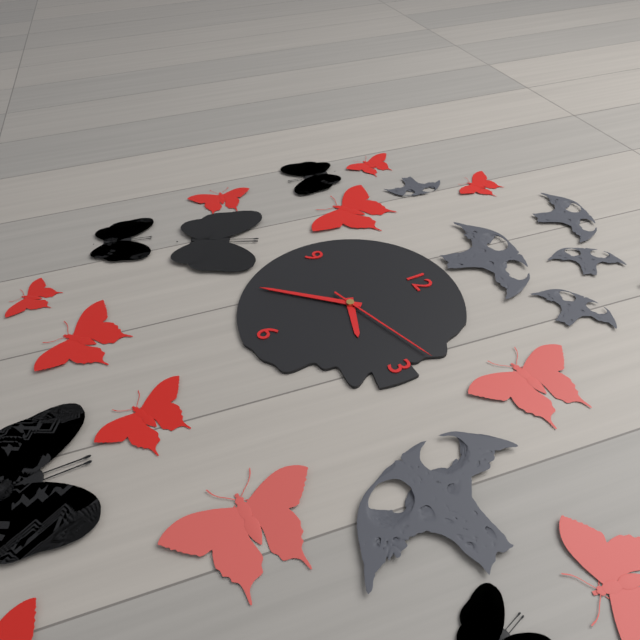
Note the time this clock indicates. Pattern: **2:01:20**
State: **3:37:12**
